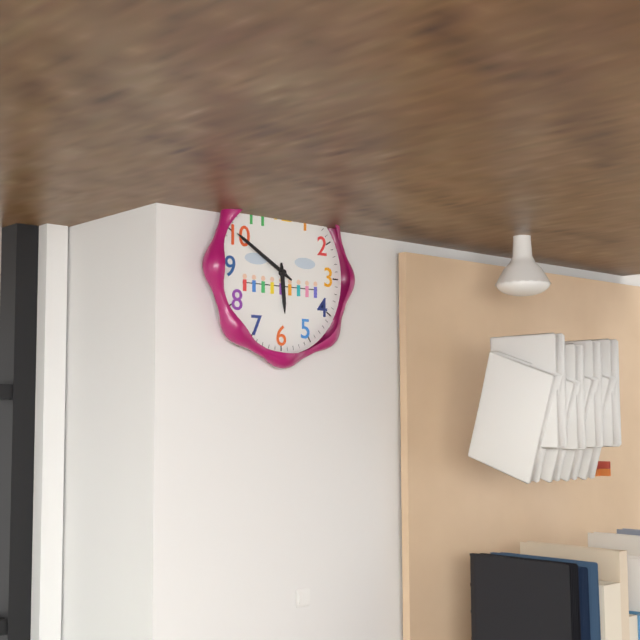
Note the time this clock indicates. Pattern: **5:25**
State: **5:50**
